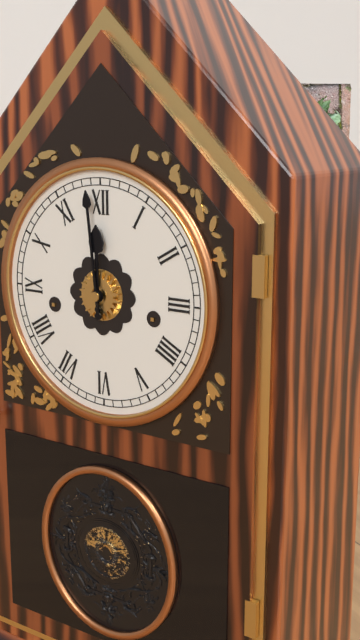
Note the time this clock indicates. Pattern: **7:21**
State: **11:59**
